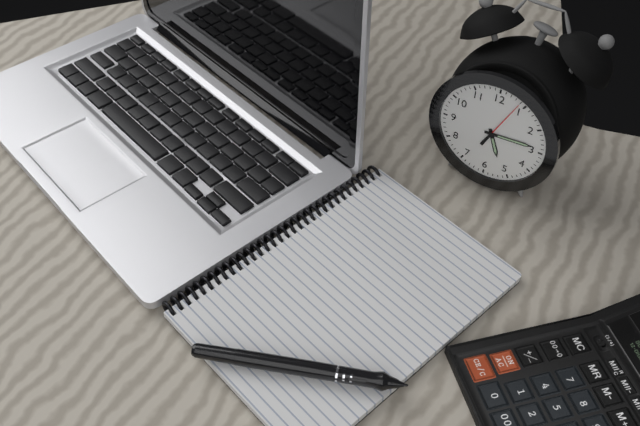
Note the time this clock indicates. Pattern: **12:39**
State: **5:14**
